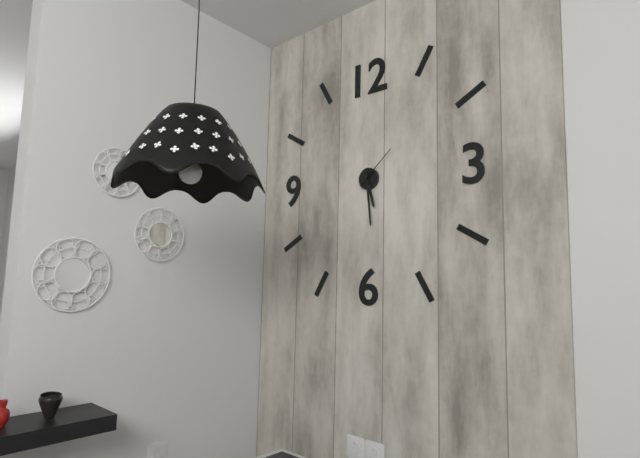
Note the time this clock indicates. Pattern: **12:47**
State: **5:29**
